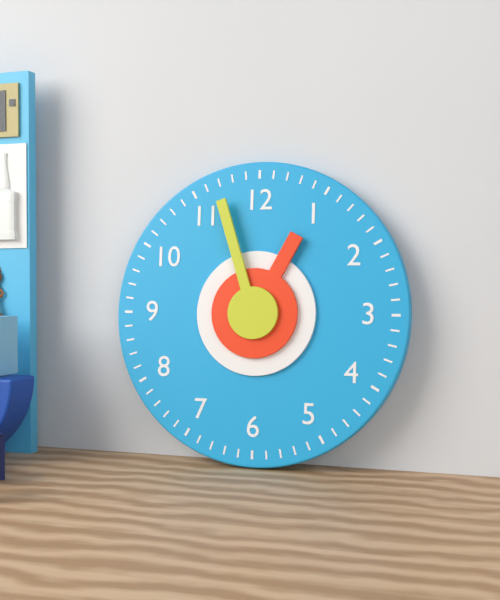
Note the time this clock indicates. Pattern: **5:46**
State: **12:57**
